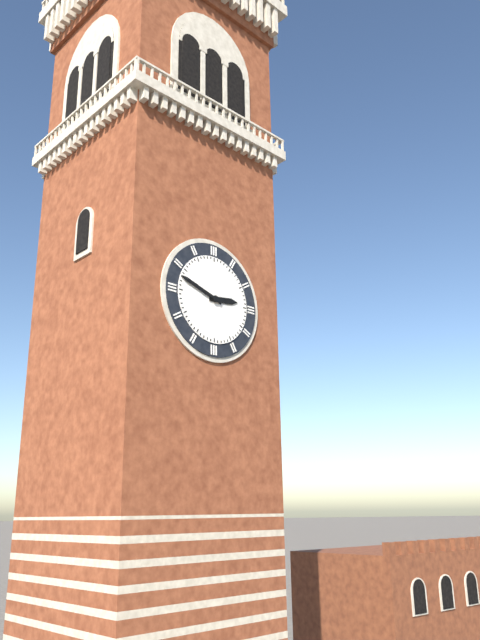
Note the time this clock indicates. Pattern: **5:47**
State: **2:48**
